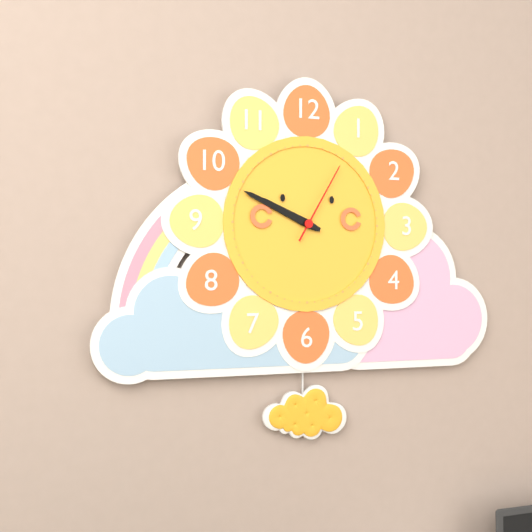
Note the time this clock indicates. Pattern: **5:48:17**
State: **9:49:05**
